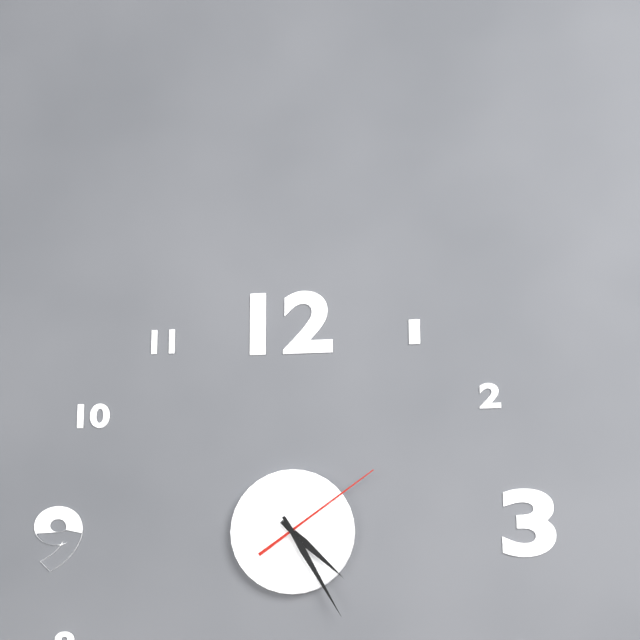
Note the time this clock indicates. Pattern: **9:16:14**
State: **4:25:09**
